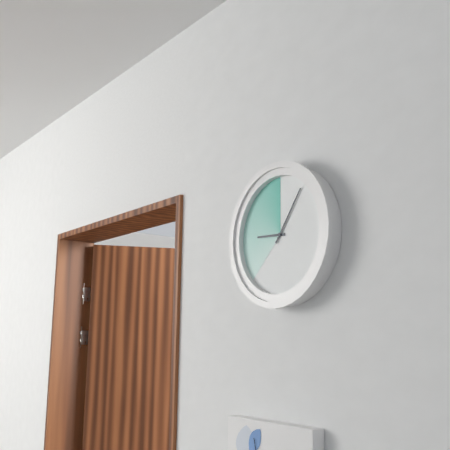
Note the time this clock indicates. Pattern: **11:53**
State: **9:06**
